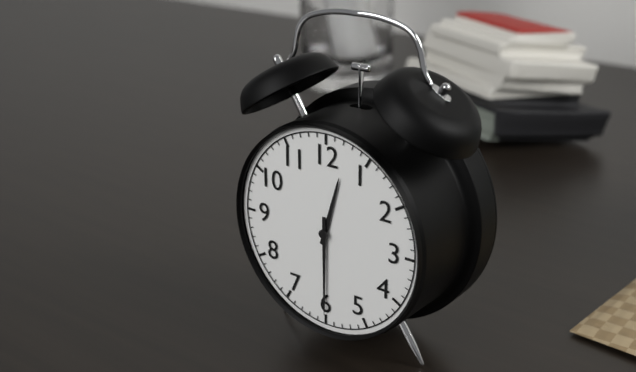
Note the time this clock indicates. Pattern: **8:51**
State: **12:30**
